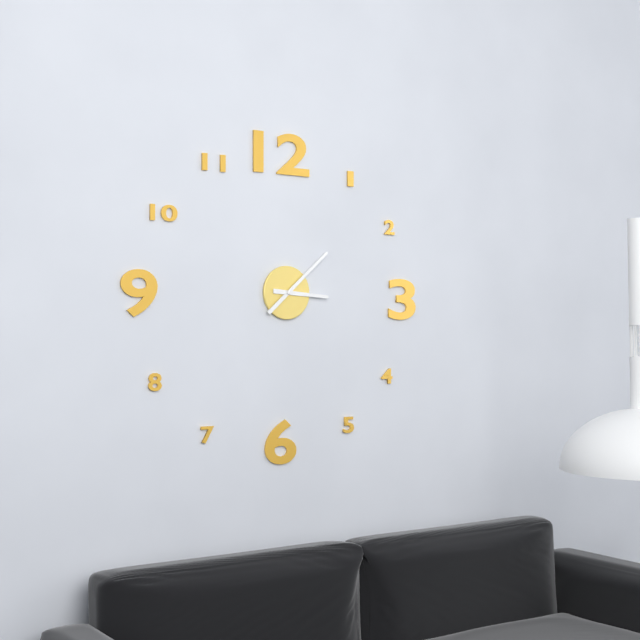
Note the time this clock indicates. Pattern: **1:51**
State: **3:08**
